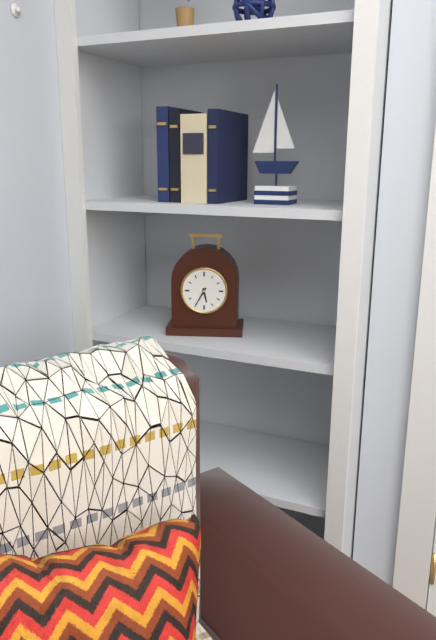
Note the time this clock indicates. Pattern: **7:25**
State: **5:35**
